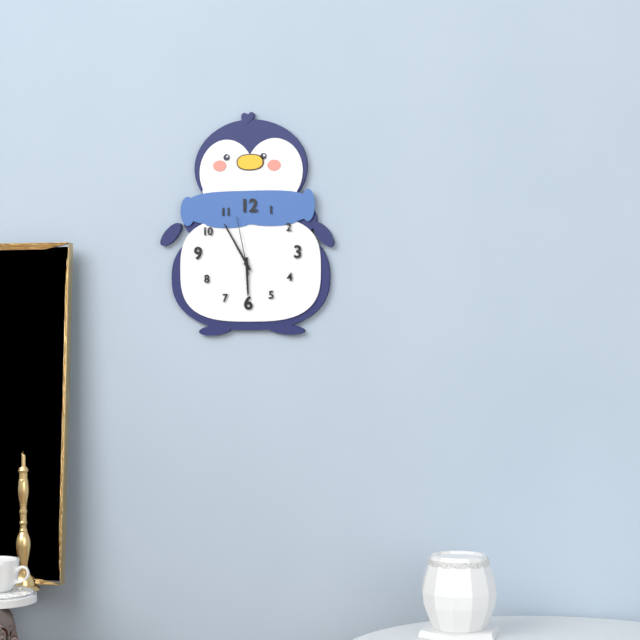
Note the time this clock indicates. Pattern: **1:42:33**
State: **5:55:58**
